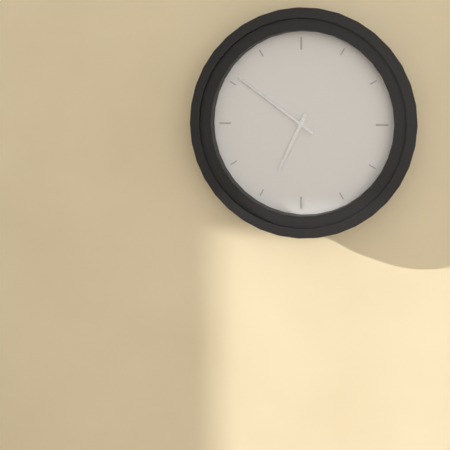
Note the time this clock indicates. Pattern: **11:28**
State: **6:51**
